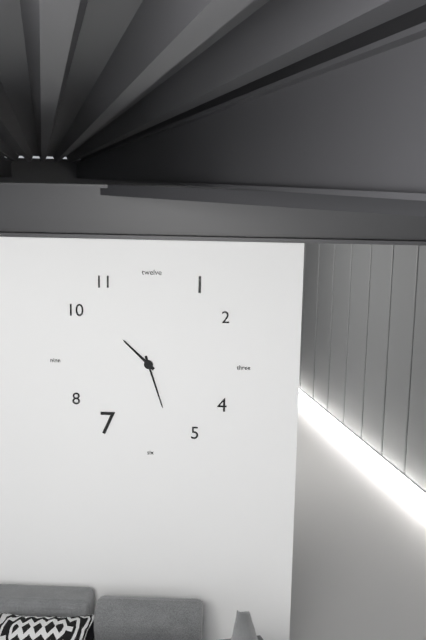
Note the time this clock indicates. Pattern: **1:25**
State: **10:27**
